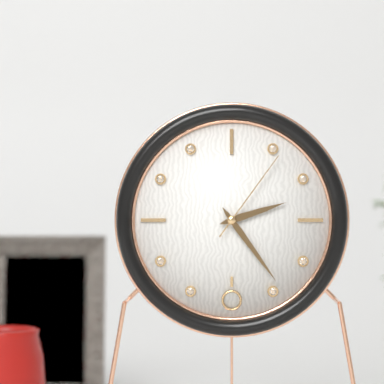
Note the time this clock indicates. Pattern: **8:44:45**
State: **2:24:06**
